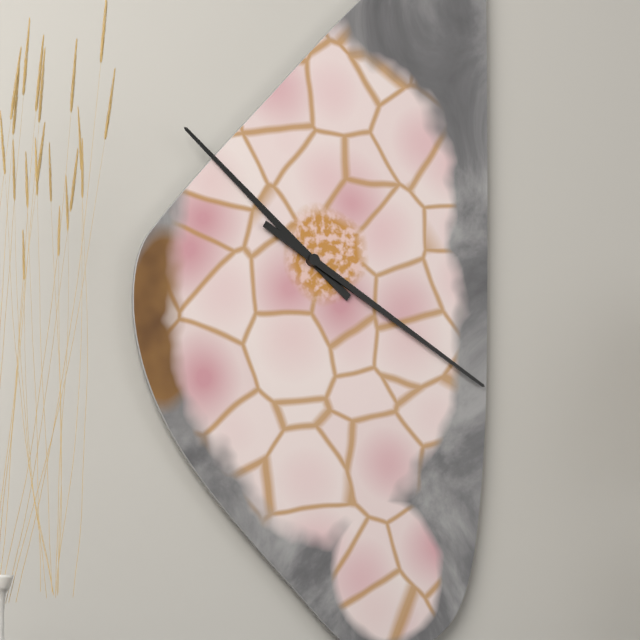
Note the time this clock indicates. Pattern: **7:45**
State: **10:20**
